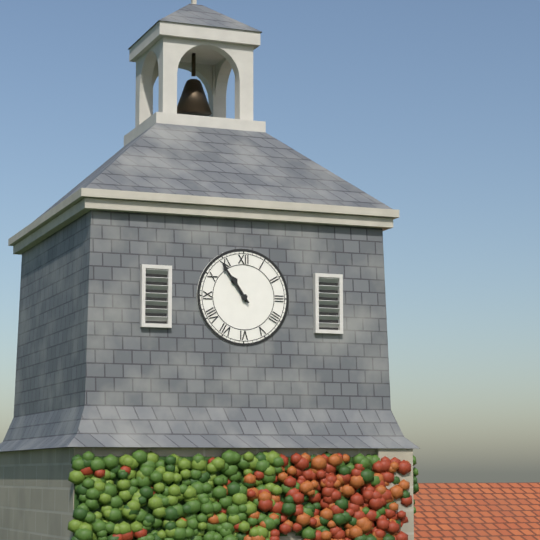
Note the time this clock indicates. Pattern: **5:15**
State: **10:54**
